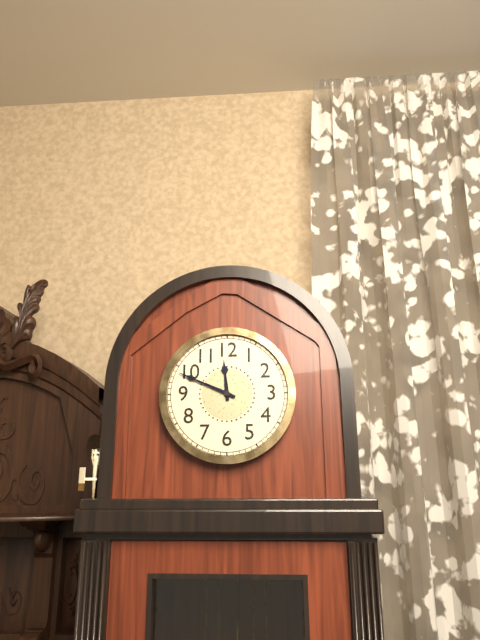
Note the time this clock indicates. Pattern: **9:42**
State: **11:49**
